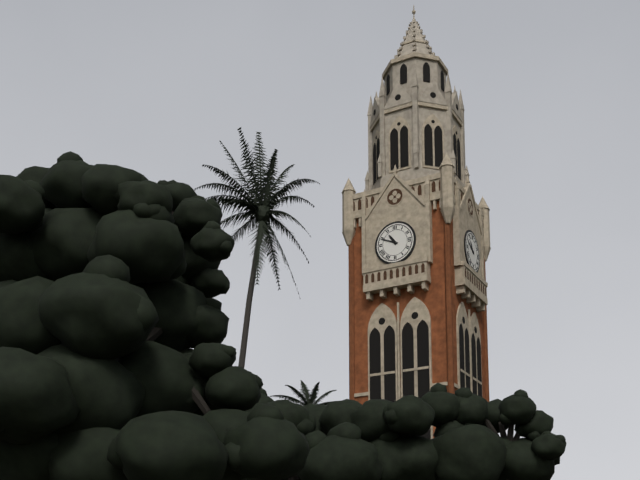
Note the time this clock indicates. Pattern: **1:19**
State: **10:49**
